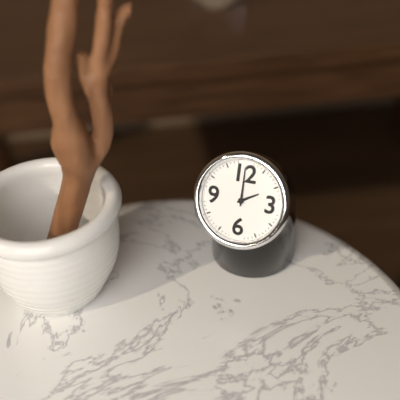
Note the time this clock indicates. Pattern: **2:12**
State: **2:00**
